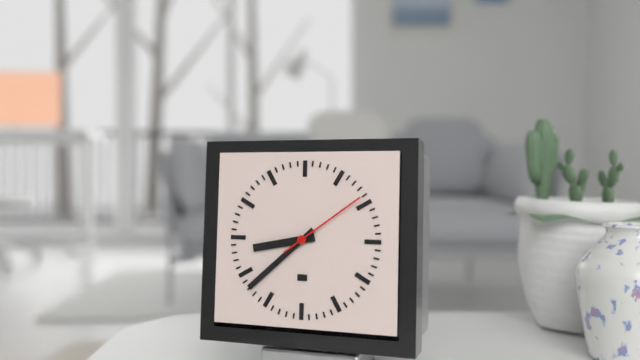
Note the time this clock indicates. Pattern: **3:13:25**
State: **8:38:09**
